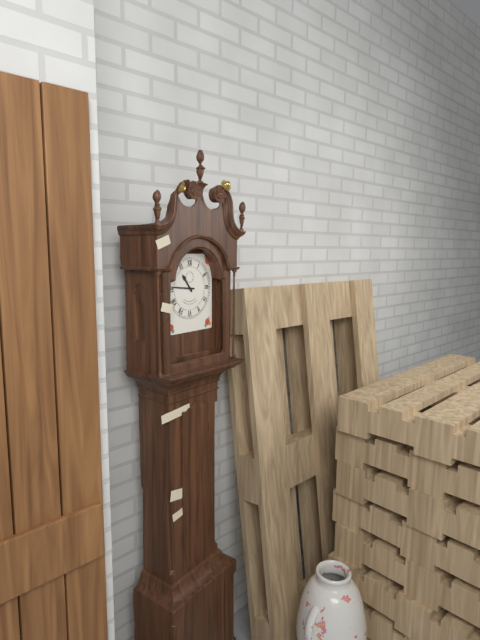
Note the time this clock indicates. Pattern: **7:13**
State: **10:46**
